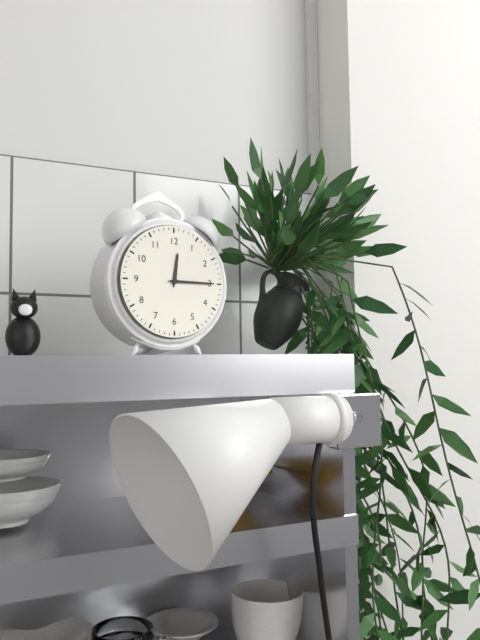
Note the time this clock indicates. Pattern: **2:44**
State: **12:15**
